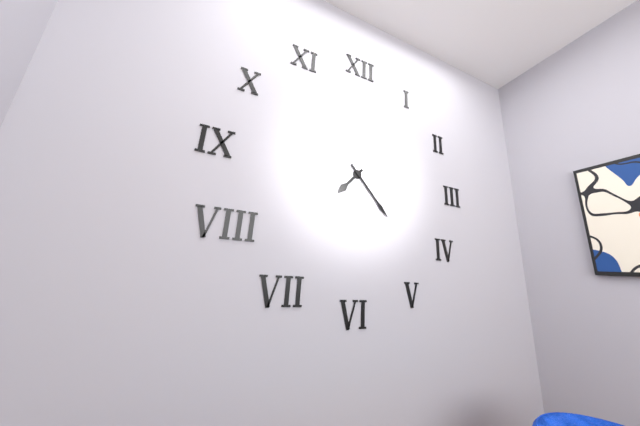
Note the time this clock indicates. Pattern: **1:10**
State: **7:23**
